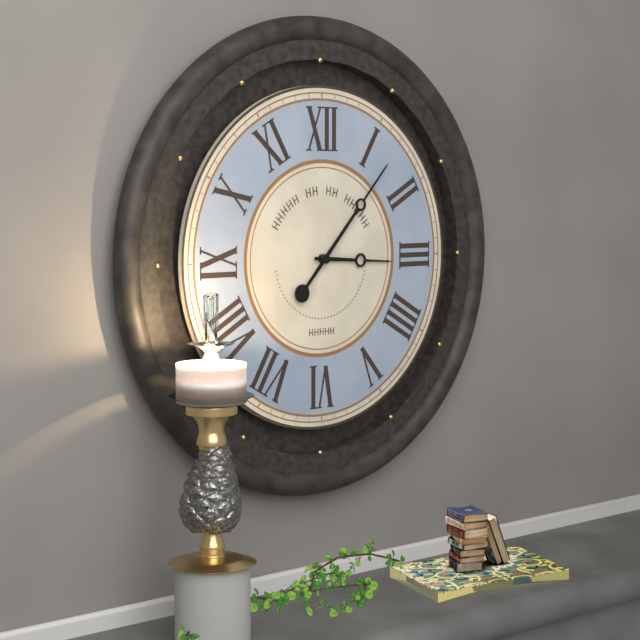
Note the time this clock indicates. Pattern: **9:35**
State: **3:07**
